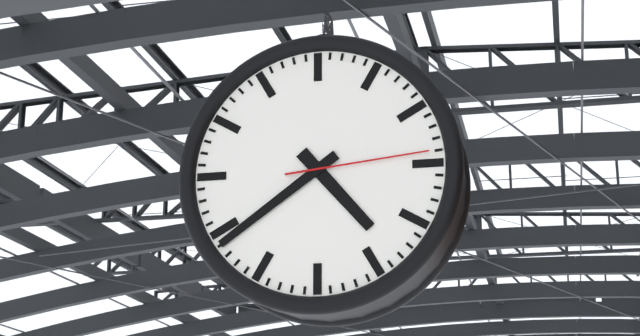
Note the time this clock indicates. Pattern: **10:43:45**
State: **4:39:14**
